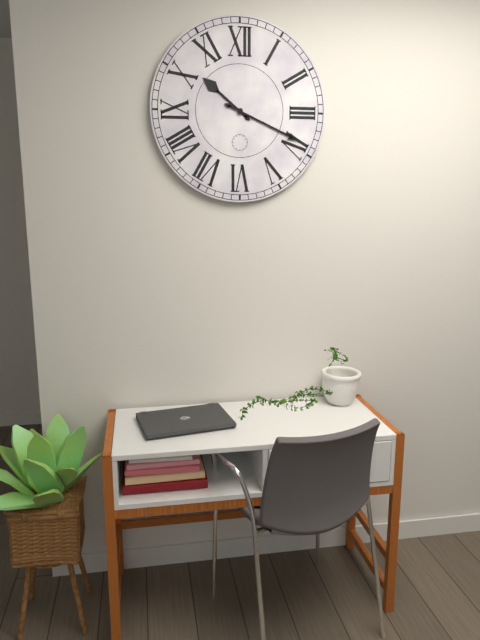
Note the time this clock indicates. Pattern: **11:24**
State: **10:19**
